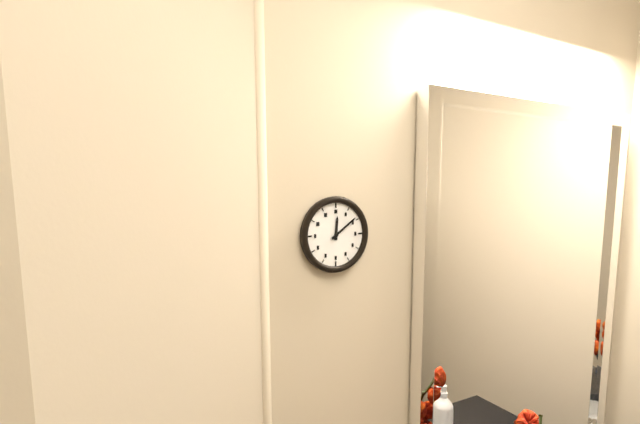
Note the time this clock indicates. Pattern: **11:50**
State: **12:09**
